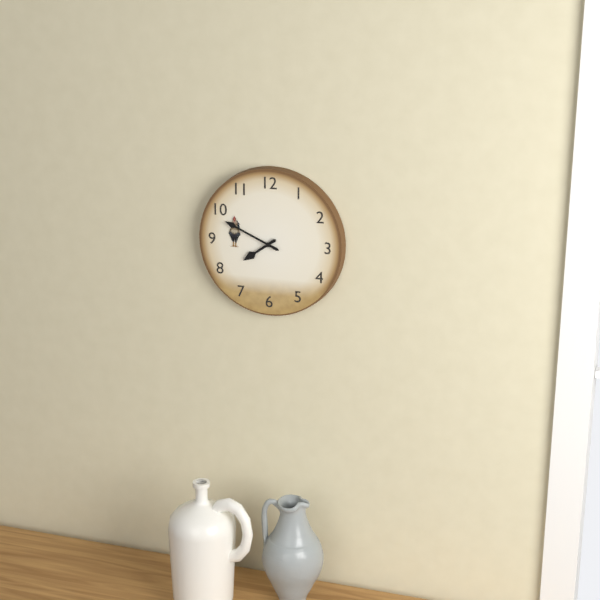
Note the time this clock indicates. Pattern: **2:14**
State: **7:49**
